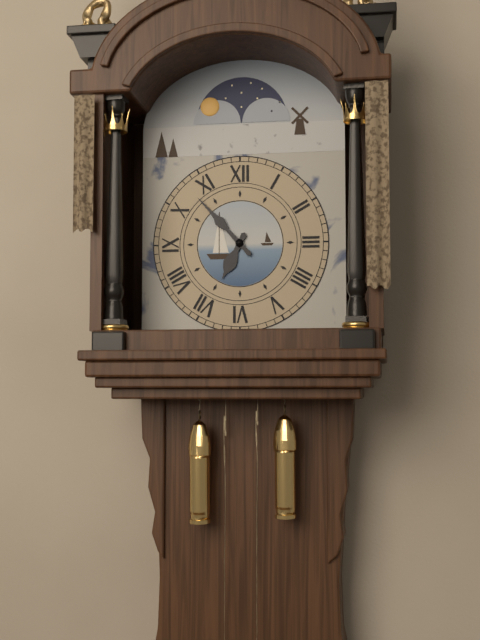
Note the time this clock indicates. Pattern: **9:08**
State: **6:53**
